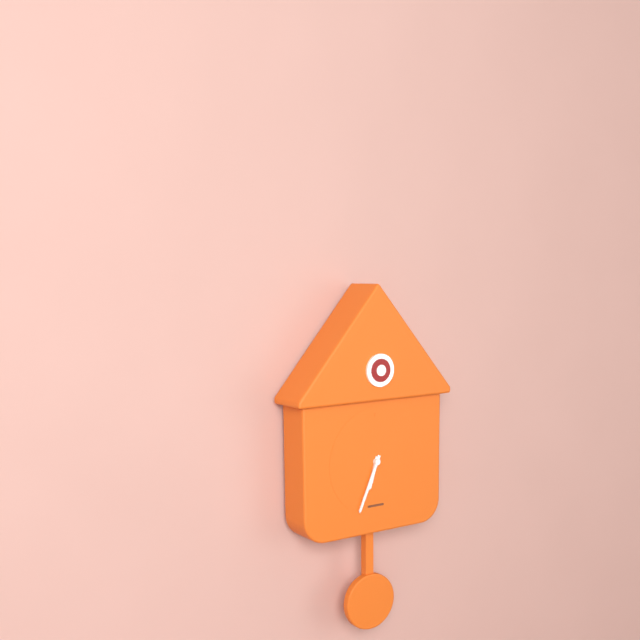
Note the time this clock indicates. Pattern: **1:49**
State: **6:34**
